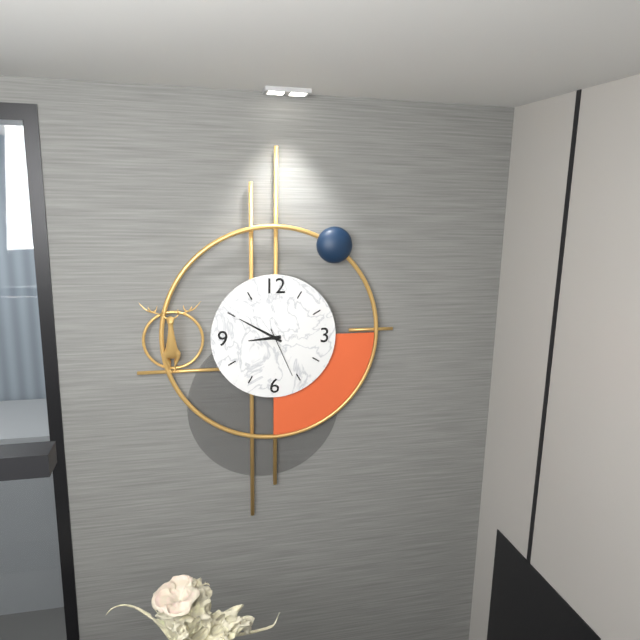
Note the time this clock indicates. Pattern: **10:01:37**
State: **8:50:26**
